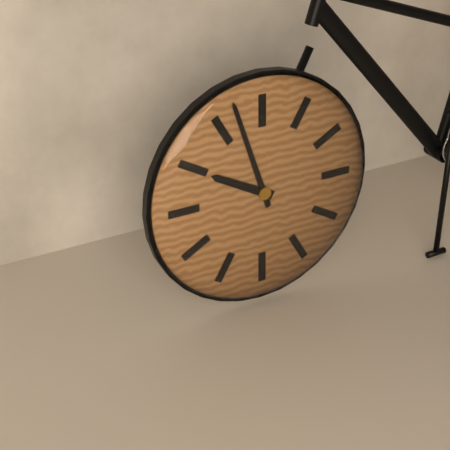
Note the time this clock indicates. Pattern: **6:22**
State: **9:57**
